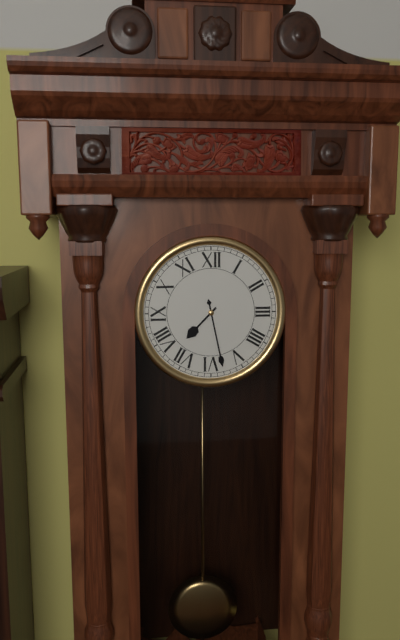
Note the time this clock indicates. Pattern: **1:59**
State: **7:28**
